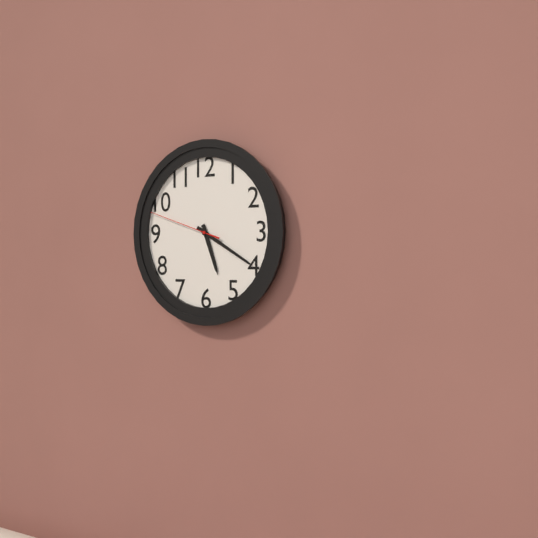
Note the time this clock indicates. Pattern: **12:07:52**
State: **5:20:48**
